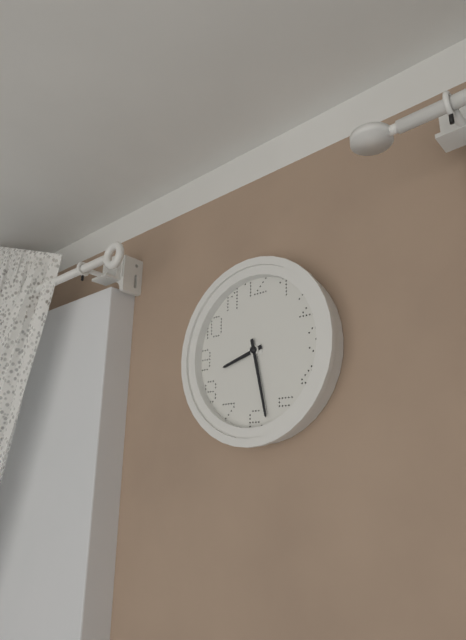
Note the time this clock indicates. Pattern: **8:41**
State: **8:28**
